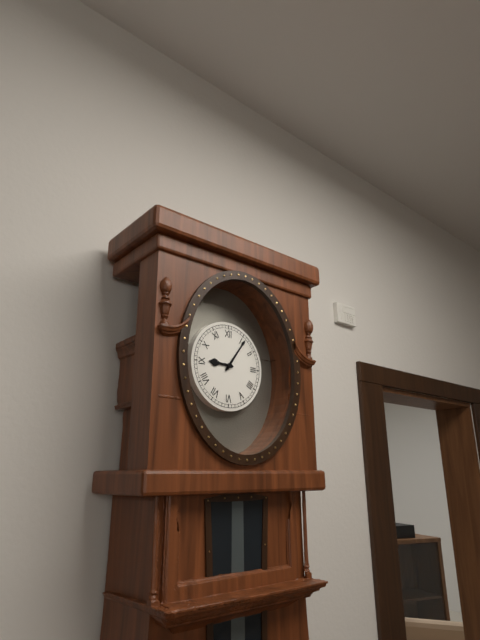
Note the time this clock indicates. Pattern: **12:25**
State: **9:06**
